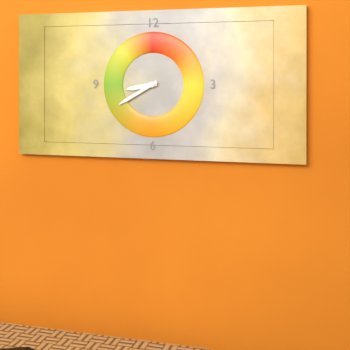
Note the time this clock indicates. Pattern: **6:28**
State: **8:40**
